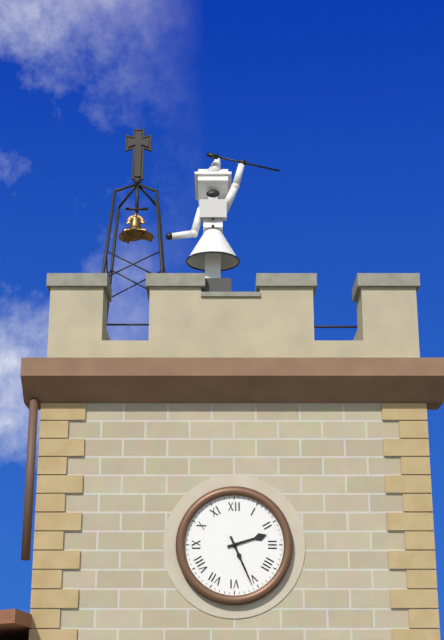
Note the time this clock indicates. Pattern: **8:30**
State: **2:26**
